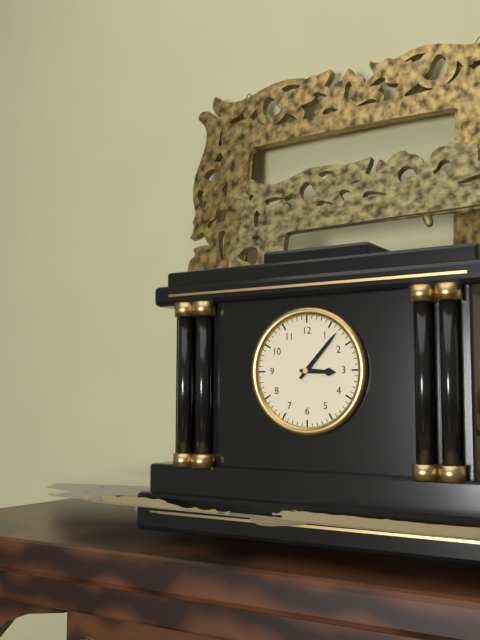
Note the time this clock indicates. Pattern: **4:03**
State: **3:07**
